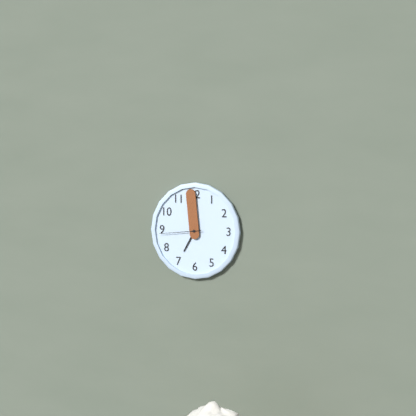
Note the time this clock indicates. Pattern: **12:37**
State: **6:59**
